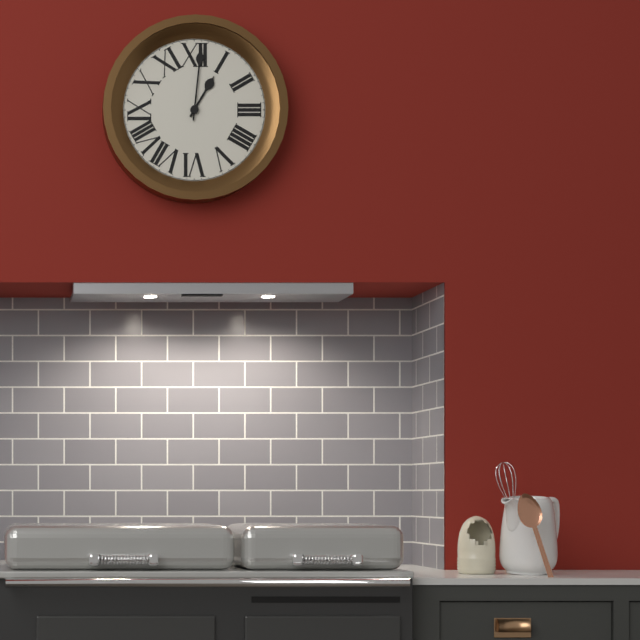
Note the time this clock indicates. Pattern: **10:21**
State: **1:01**
